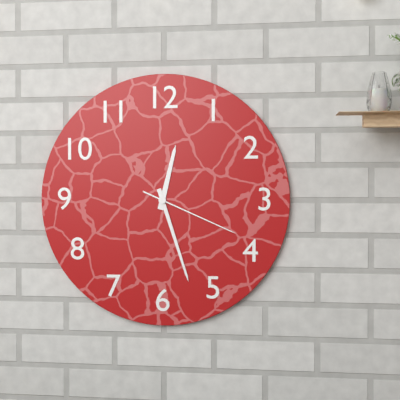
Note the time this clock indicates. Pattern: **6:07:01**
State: **12:27:19**
